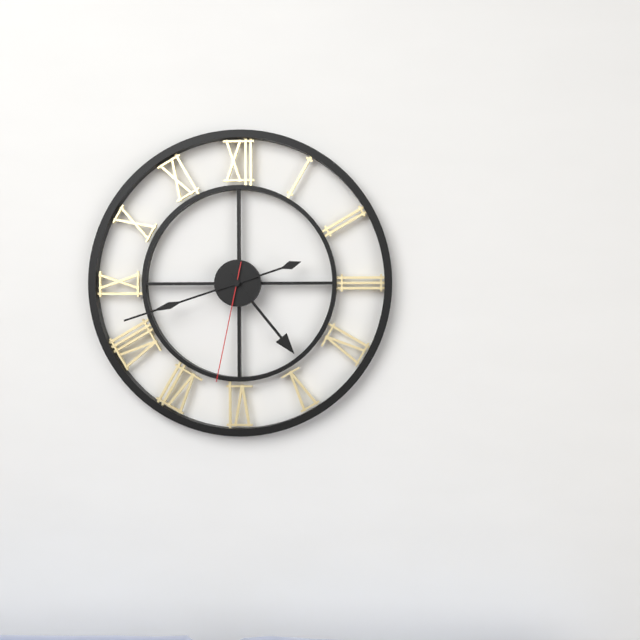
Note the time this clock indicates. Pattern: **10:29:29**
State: **4:42:32**
